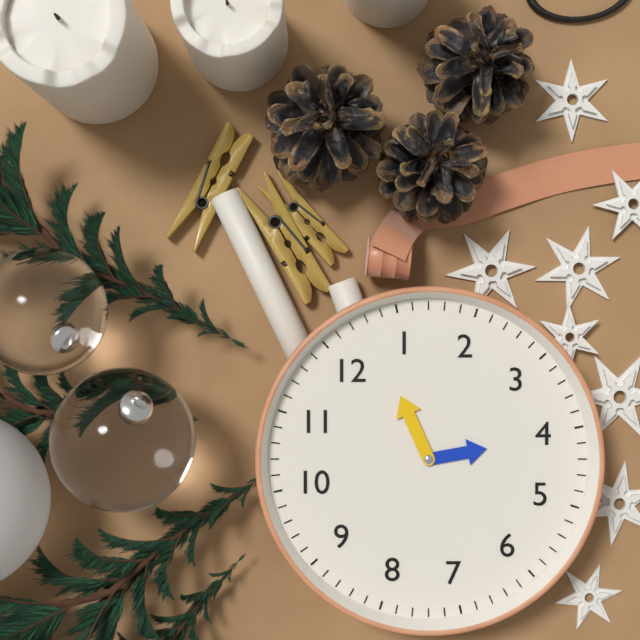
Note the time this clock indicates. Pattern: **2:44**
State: **4:03**
